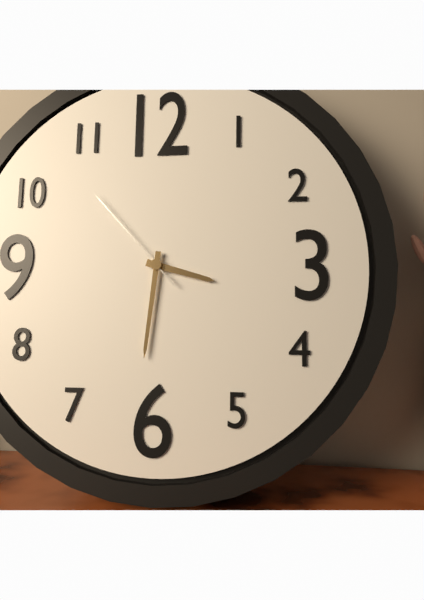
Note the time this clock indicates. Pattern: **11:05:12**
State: **3:31:53**
